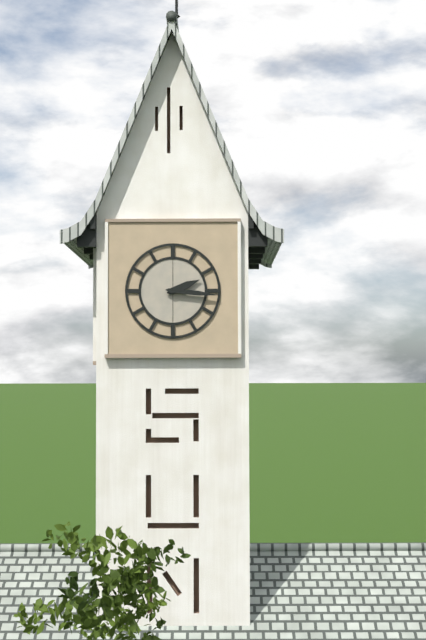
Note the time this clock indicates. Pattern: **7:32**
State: **2:16**
